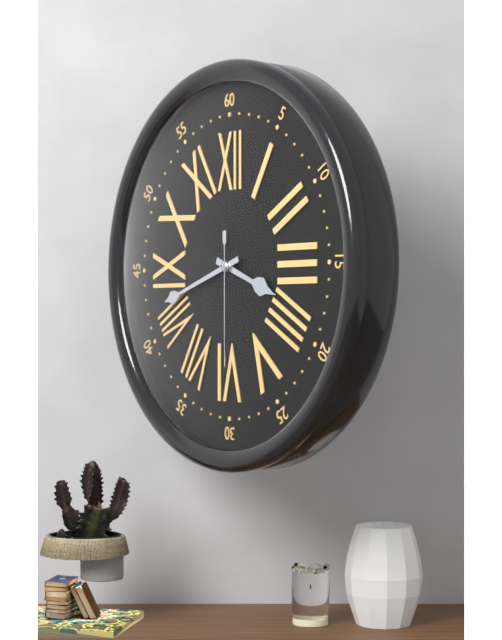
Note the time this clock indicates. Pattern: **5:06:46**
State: **3:42:30**
